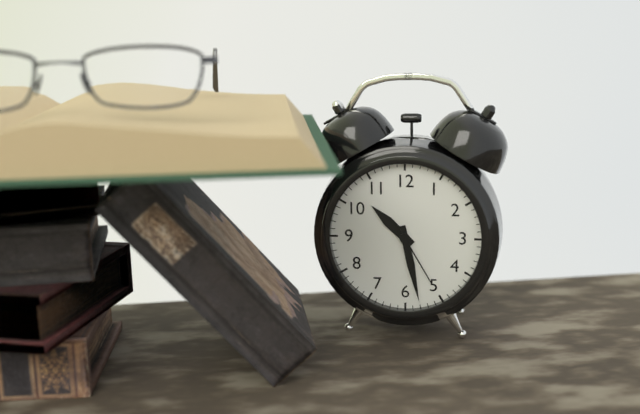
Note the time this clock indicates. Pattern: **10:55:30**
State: **10:28:25**
